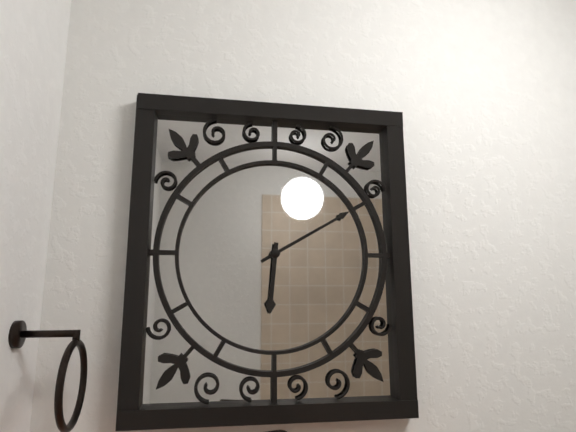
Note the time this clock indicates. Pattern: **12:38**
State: **6:10**
